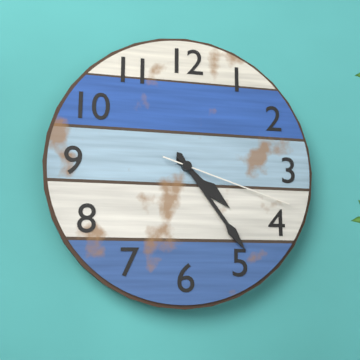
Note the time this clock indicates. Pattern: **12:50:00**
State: **4:24:18**
